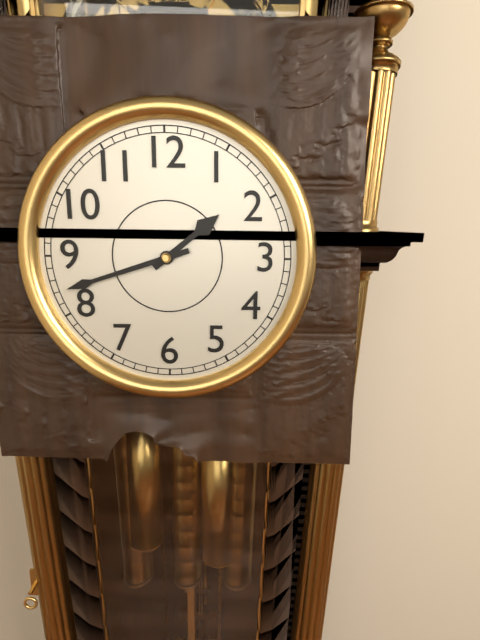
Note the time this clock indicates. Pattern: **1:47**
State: **1:42**
